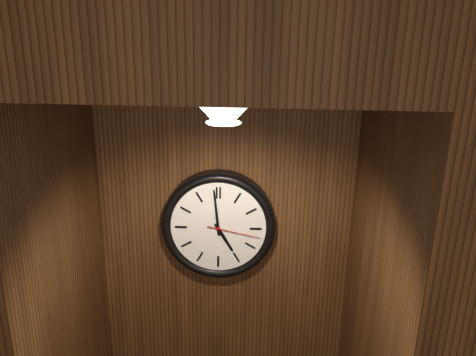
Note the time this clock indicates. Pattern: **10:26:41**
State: **4:59:17**
